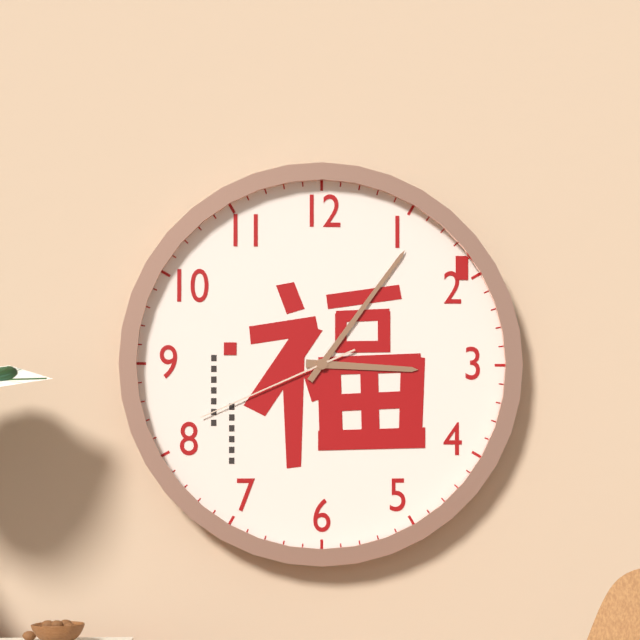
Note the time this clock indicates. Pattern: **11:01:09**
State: **3:06:41**
